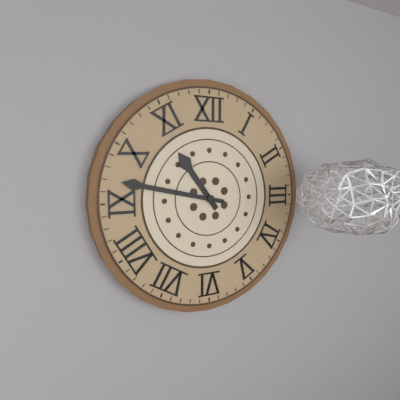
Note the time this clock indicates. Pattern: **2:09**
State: **10:47**
